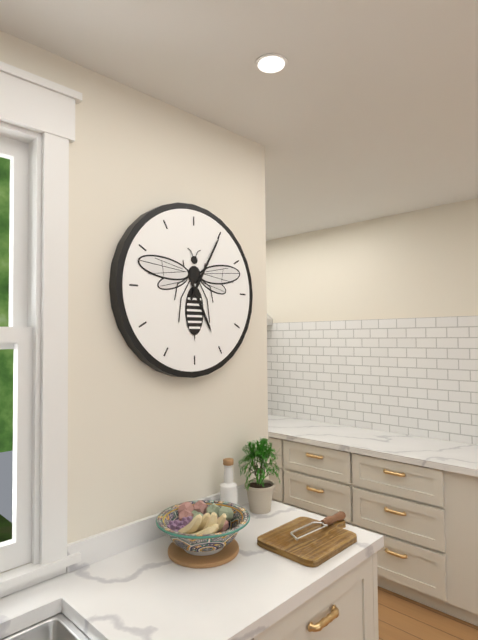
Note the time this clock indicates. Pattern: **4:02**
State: **5:05**
